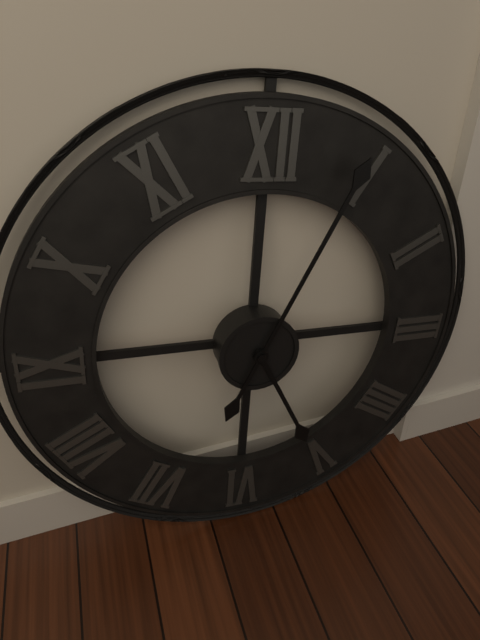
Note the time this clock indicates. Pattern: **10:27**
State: **5:04**
